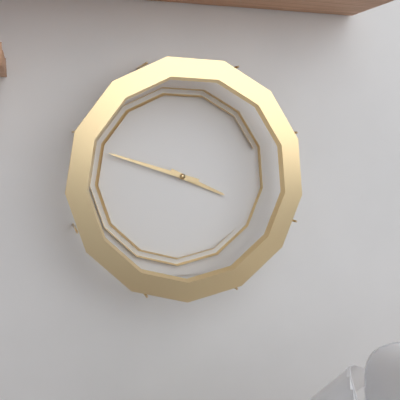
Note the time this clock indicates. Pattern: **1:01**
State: **3:48**
